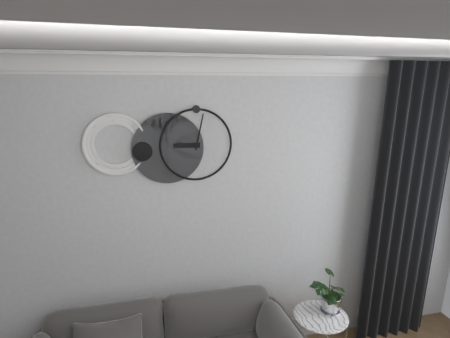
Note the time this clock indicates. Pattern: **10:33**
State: **9:02**
